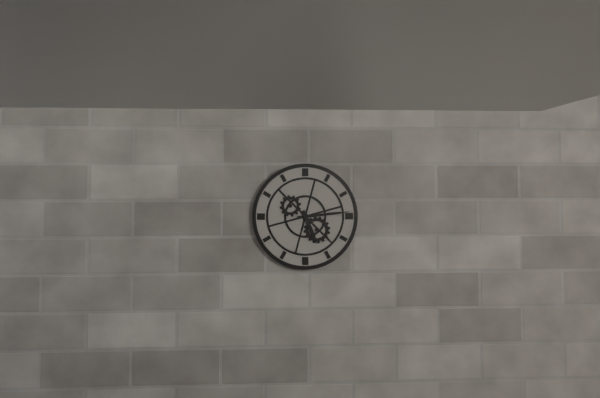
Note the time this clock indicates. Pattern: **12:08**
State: **5:14**
